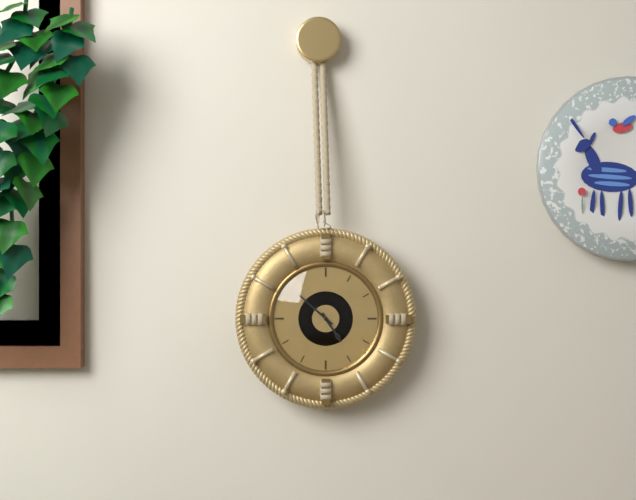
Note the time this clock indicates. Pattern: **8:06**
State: **4:52**
